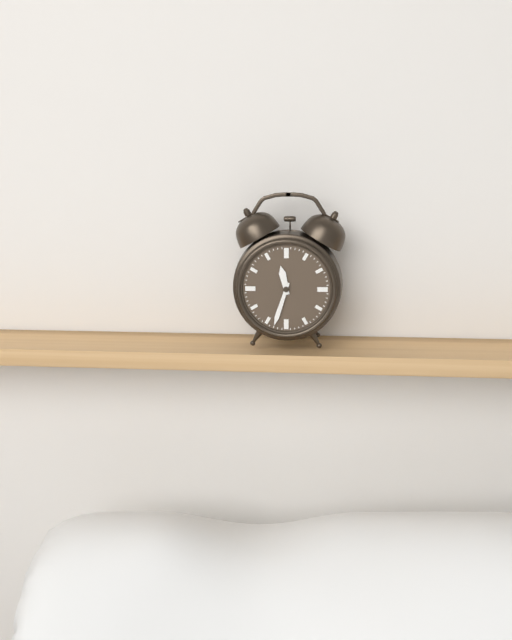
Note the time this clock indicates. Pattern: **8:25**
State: **11:33**
